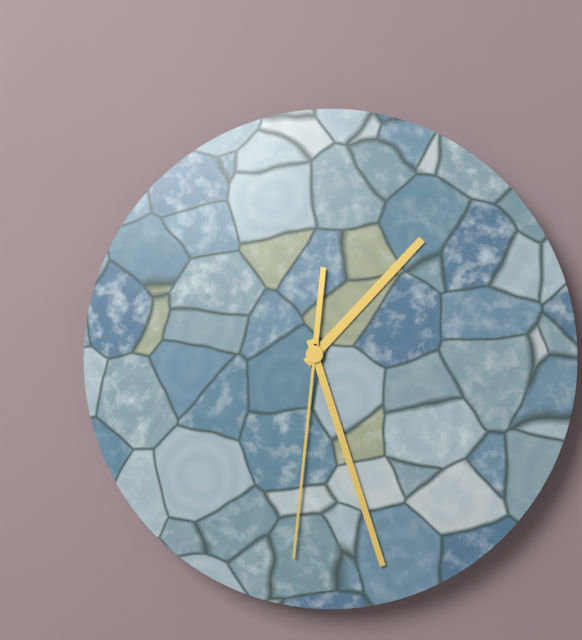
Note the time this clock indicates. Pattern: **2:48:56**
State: **1:27:31**
